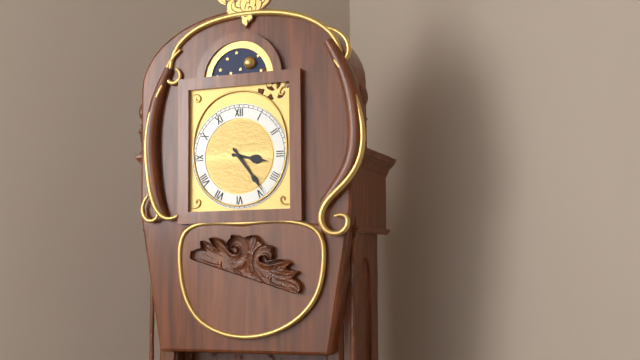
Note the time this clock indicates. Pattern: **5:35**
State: **3:24**
